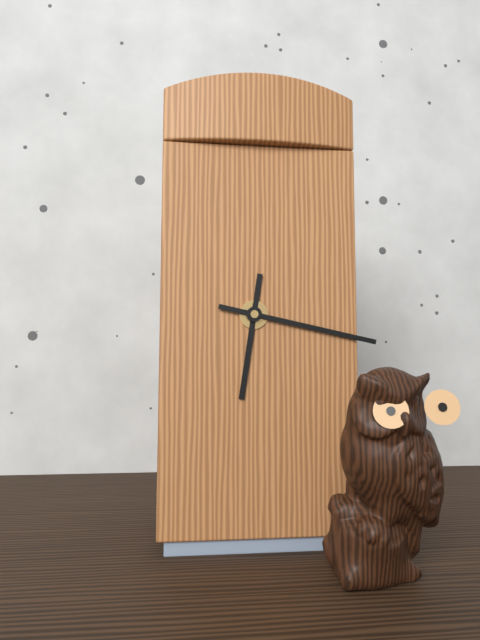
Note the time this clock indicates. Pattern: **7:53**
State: **6:17**
